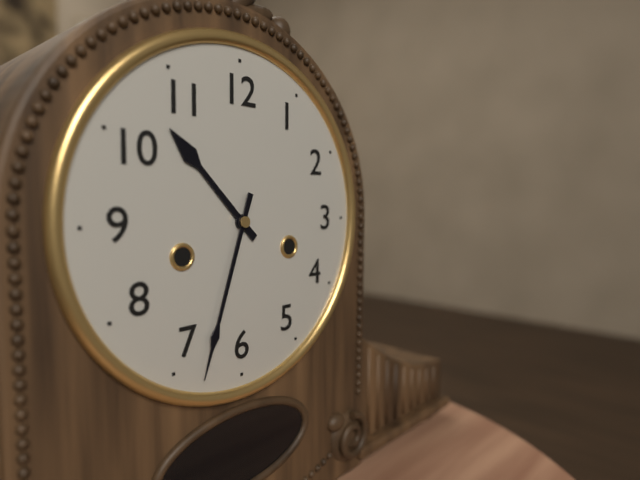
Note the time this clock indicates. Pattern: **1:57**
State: **10:33**
